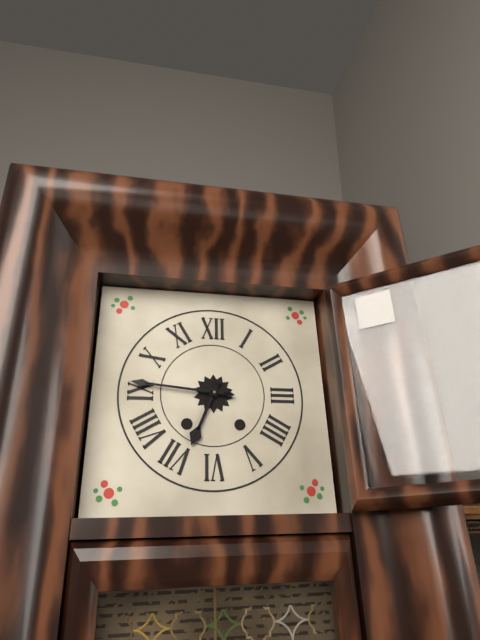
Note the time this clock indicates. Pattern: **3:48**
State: **6:46**
